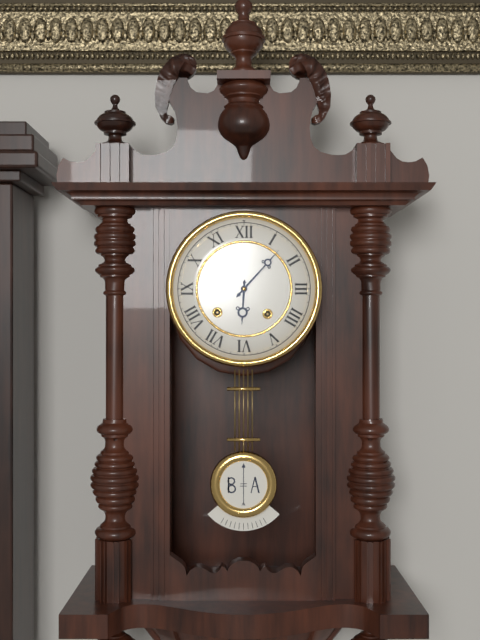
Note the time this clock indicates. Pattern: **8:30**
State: **6:07**
